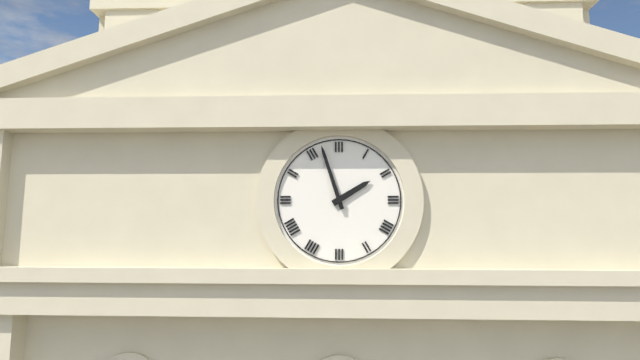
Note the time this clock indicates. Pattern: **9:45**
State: **1:57**
